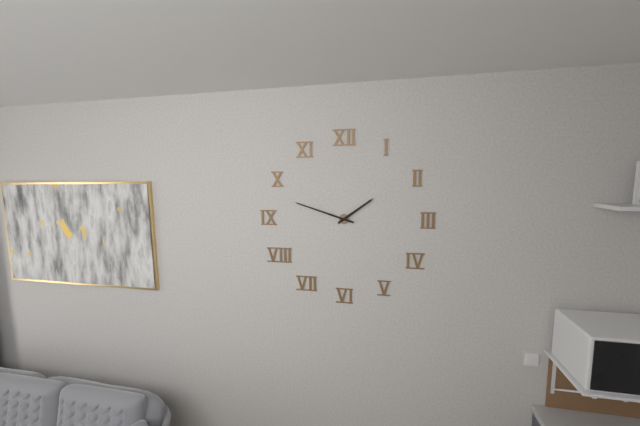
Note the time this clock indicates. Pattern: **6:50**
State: **1:48**
